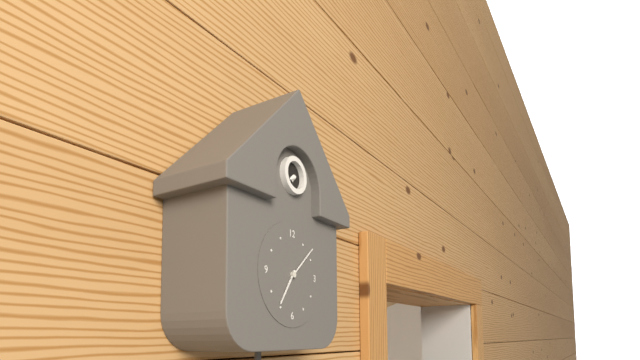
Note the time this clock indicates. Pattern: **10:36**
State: **7:08**
